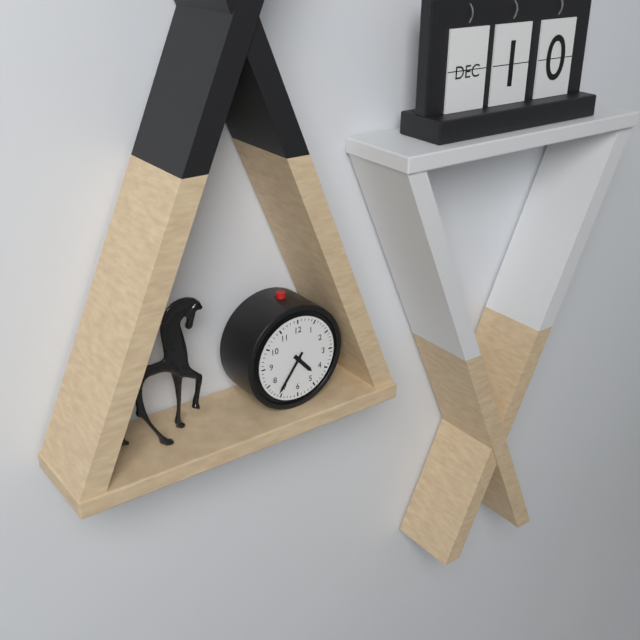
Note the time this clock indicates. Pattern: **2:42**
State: **4:36**
